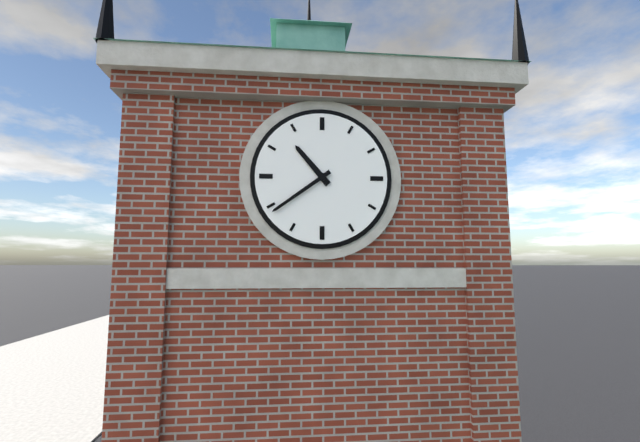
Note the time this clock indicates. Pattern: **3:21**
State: **10:39**
